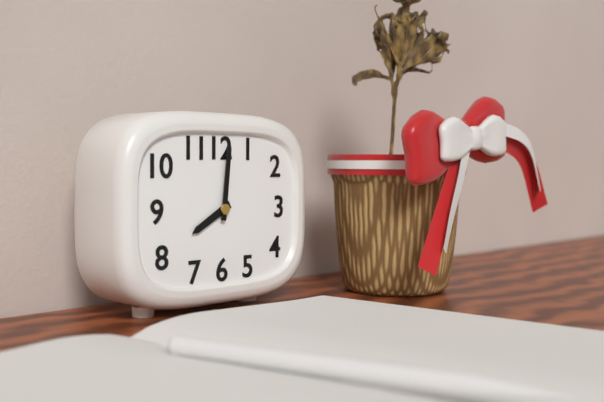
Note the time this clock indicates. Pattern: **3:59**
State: **8:01**
